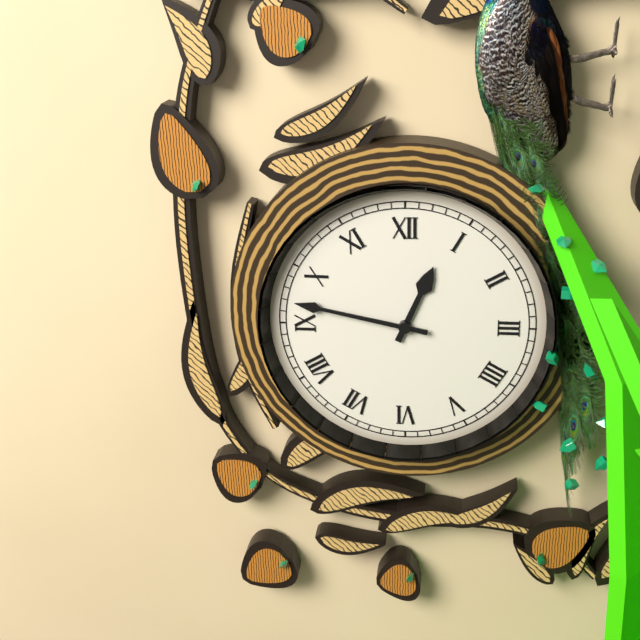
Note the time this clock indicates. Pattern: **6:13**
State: **12:47**
